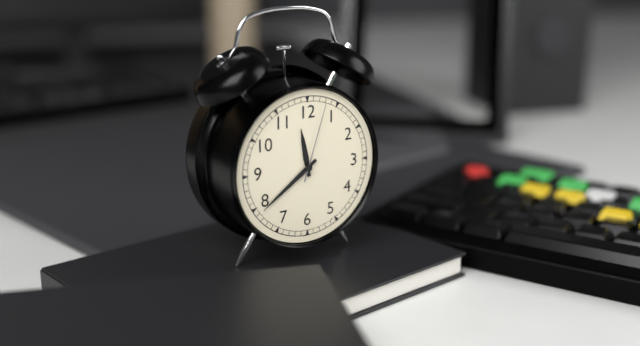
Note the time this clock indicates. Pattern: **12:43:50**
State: **11:39:03**
